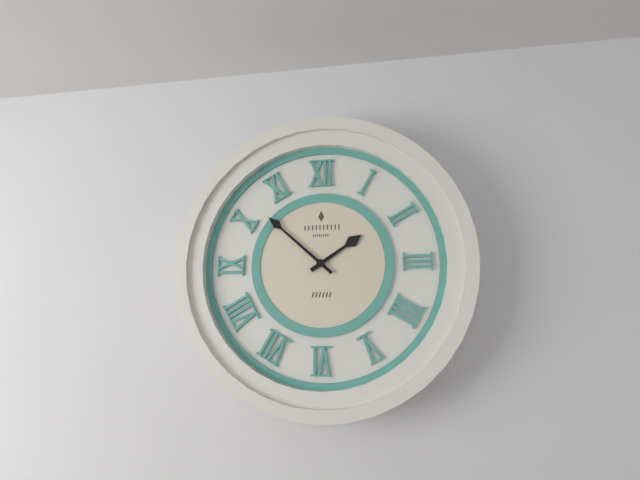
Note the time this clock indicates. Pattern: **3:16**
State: **1:52**
